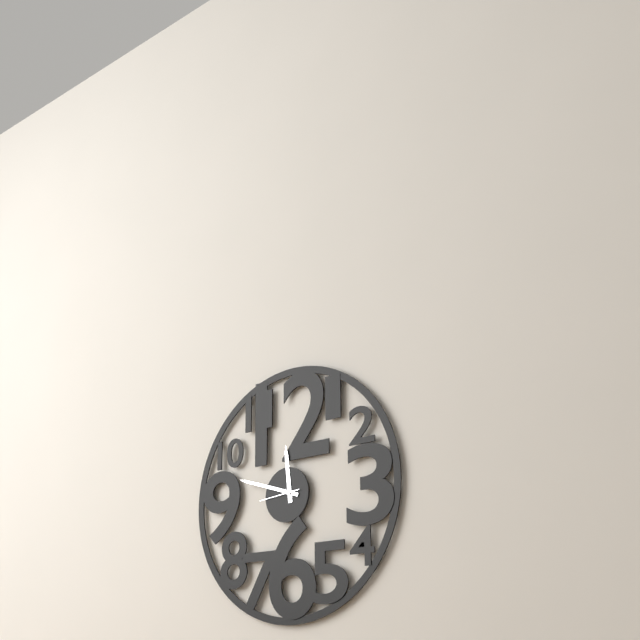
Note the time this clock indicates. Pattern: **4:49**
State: **11:48**
